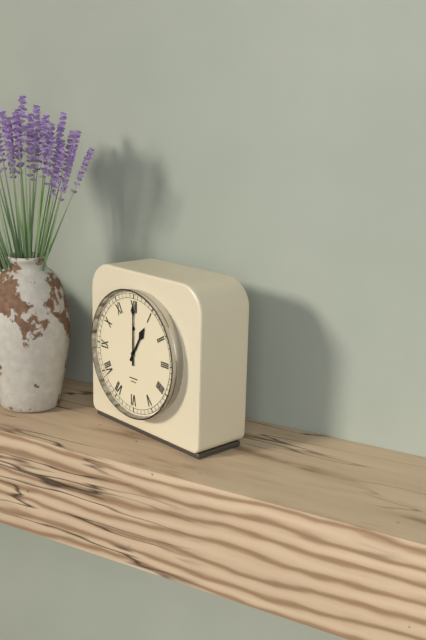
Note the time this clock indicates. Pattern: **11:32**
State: **1:00**
